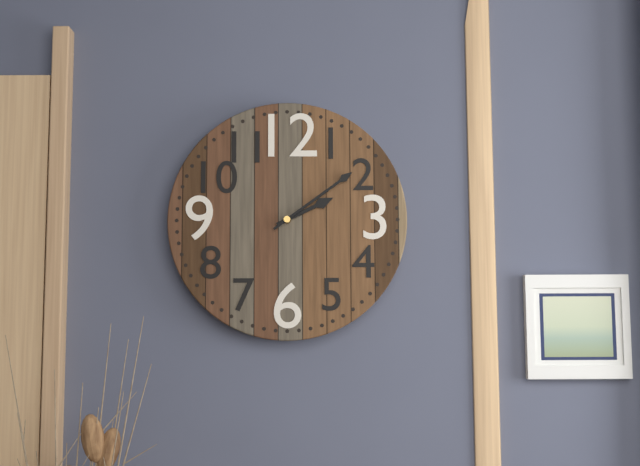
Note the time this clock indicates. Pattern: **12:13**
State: **2:09**
